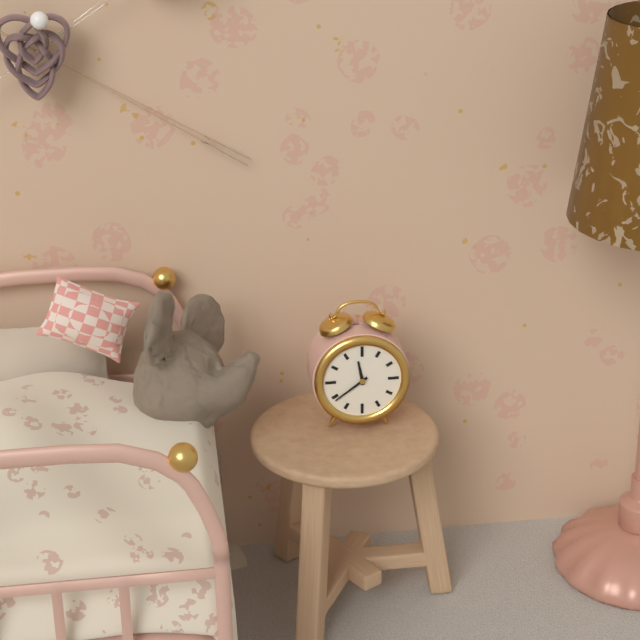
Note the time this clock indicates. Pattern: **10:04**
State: **11:39**
